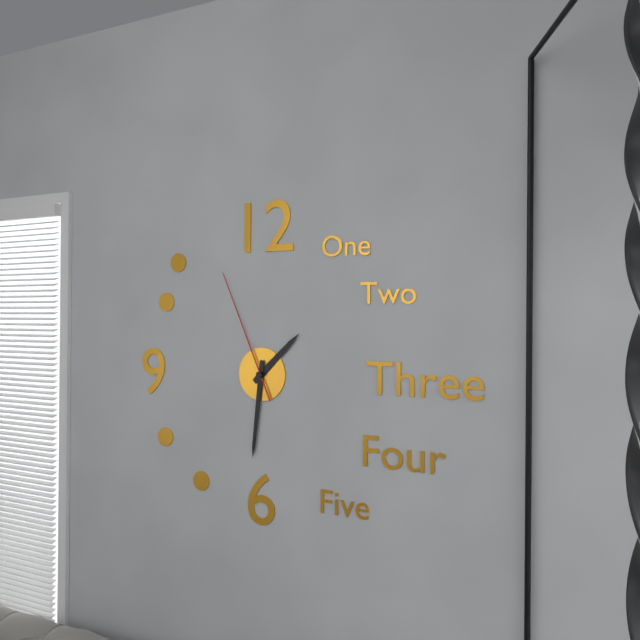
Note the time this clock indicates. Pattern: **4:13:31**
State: **1:31:56**
